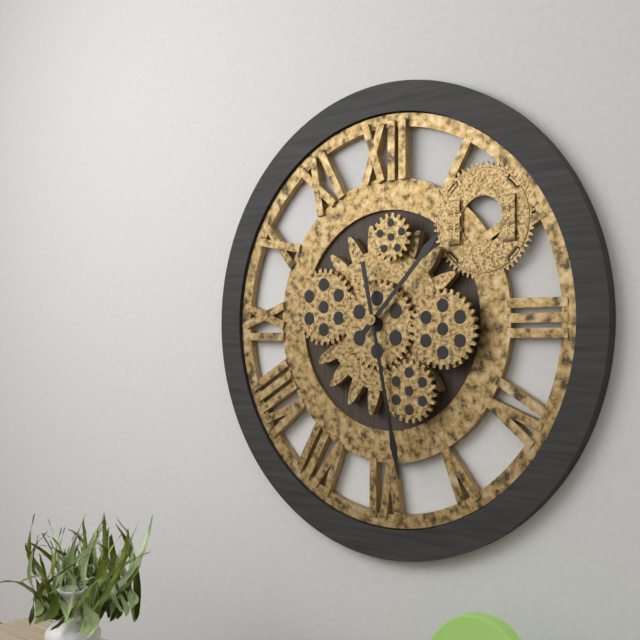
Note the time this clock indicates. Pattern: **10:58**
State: **1:28**
